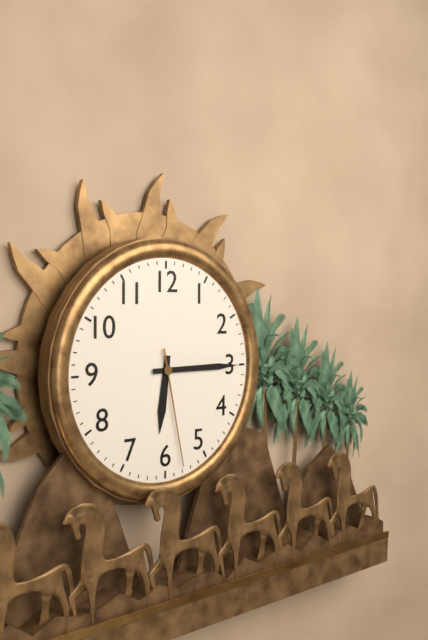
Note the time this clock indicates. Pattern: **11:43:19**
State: **6:15:28**
